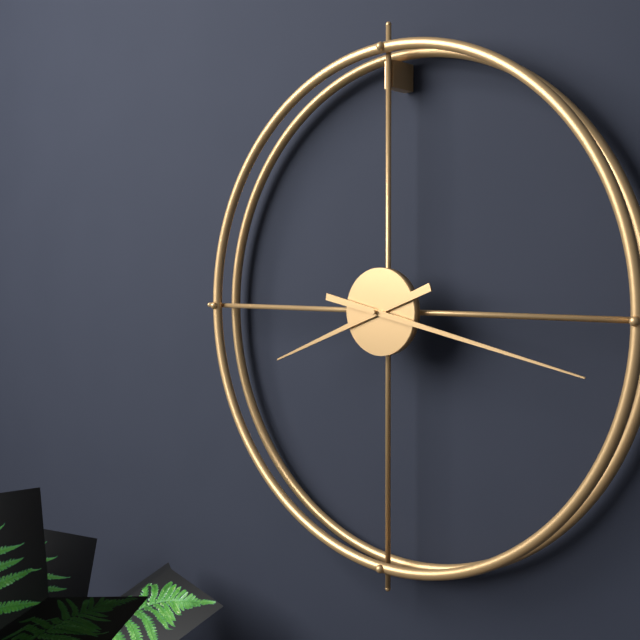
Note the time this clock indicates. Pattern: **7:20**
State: **8:17**
